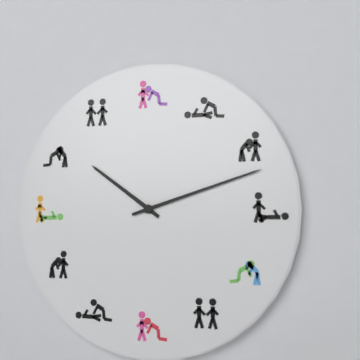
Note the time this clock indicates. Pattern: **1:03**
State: **10:12**
